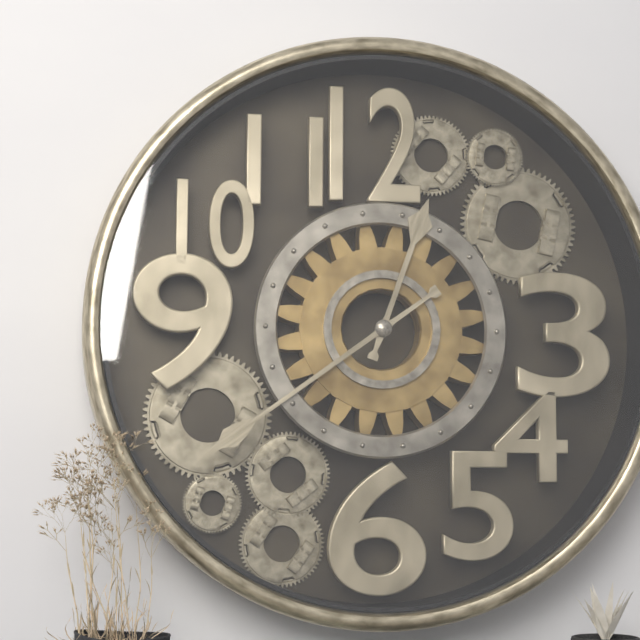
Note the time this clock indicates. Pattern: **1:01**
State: **12:39**
